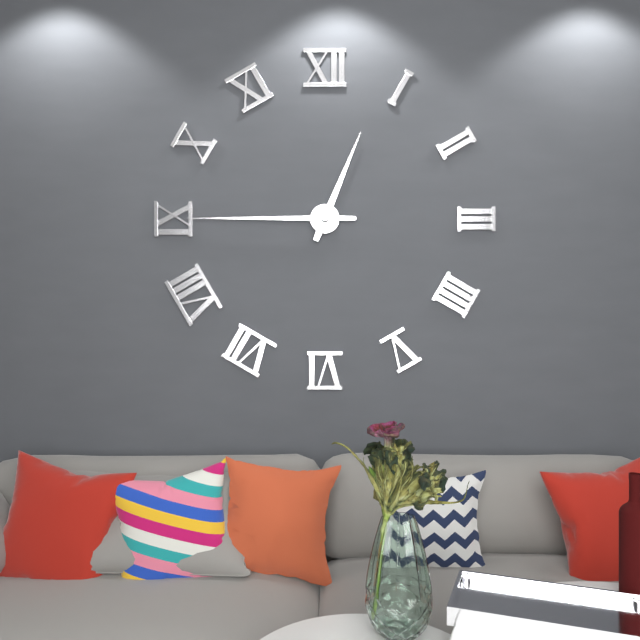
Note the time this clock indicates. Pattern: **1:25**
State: **12:45**
